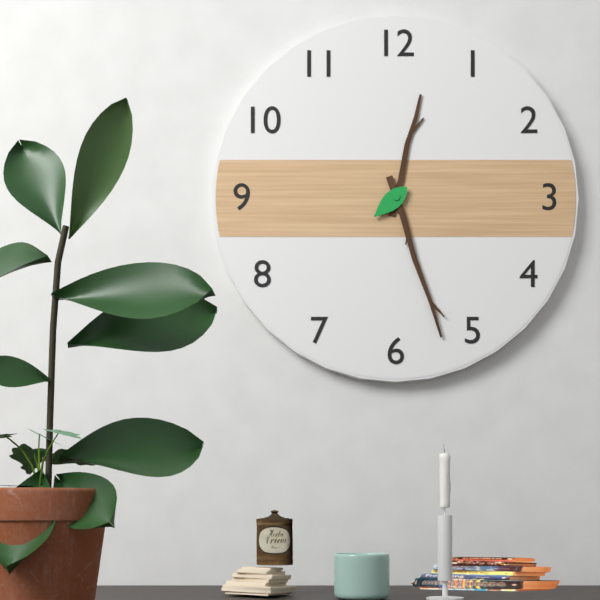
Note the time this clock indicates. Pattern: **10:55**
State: **12:27**
